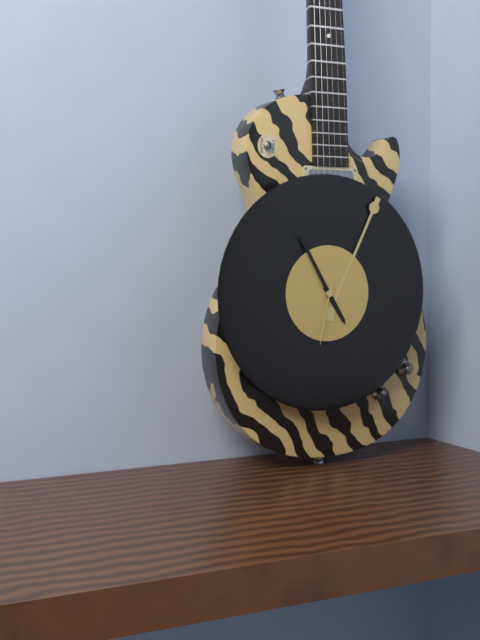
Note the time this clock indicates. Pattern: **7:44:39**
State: **4:55:32**
